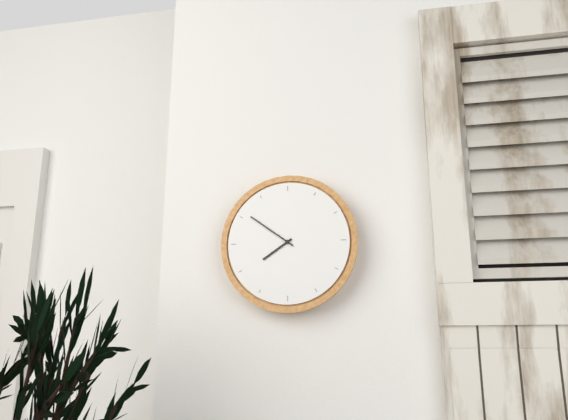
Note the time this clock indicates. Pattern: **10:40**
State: **7:51**
